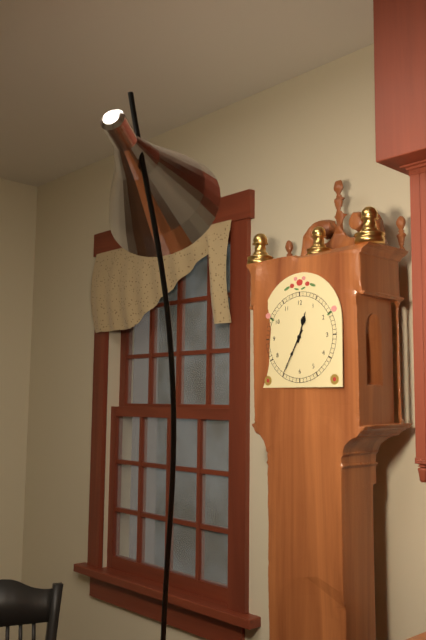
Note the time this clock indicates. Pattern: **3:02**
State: **12:35**
